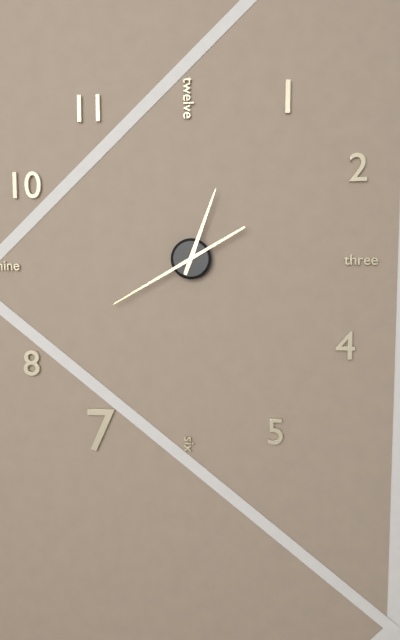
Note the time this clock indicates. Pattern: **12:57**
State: **12:40**
